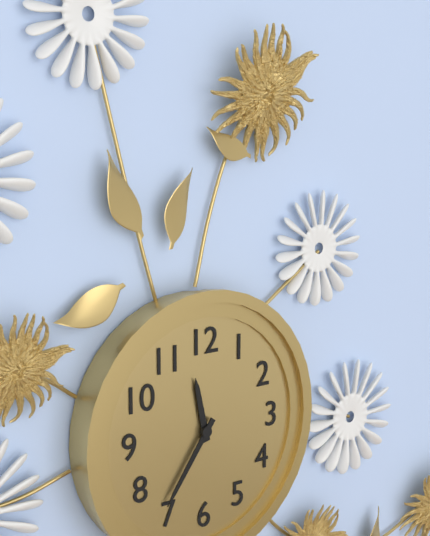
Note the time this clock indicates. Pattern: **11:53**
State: **11:36**
